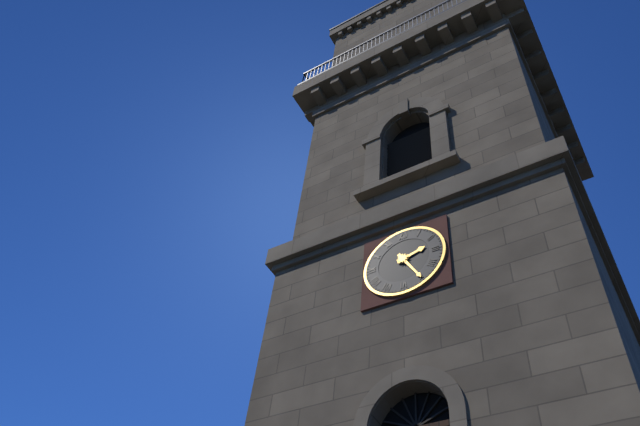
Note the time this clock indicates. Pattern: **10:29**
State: **2:25**
